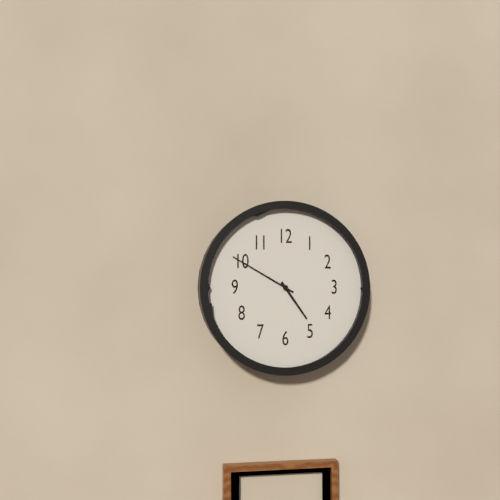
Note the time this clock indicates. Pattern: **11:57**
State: **4:50**
